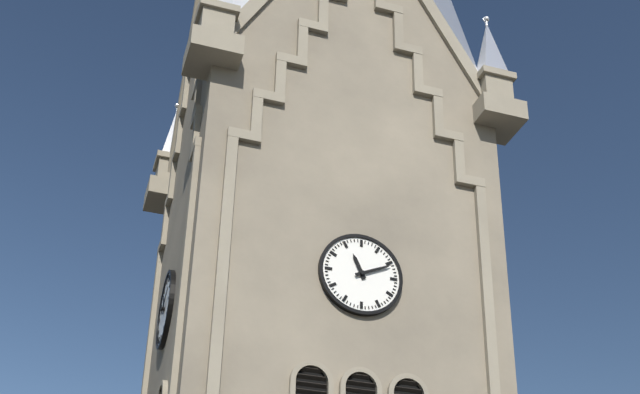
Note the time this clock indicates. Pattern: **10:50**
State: **11:11**
